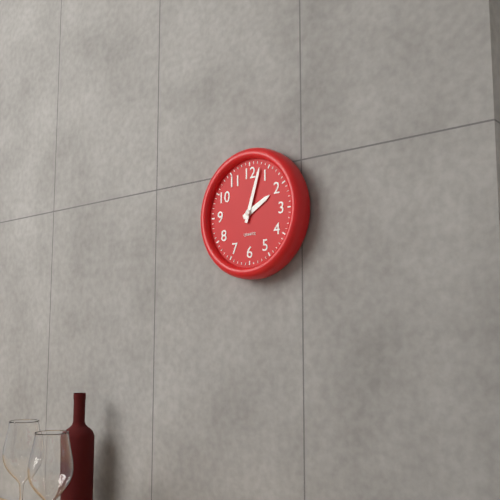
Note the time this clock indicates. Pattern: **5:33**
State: **2:03**
